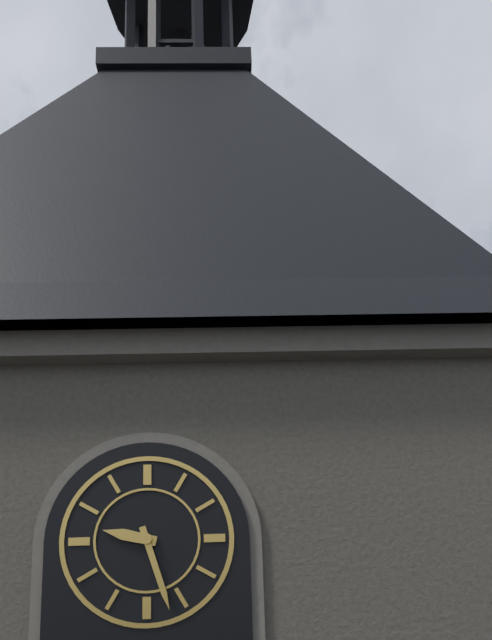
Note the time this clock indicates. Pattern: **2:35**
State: **9:27**
